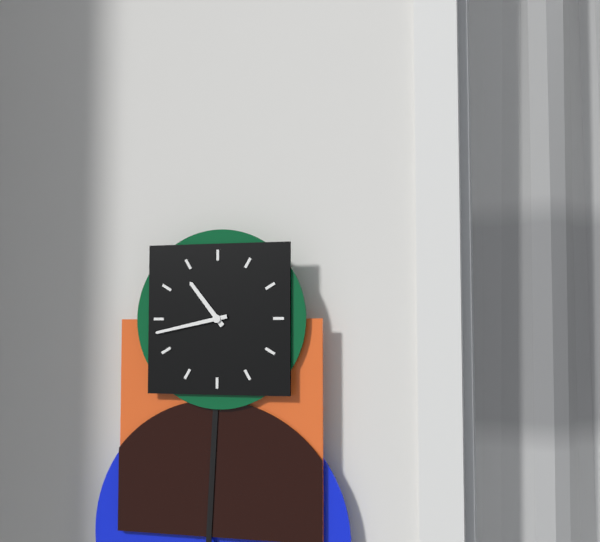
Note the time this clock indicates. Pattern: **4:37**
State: **10:43**
